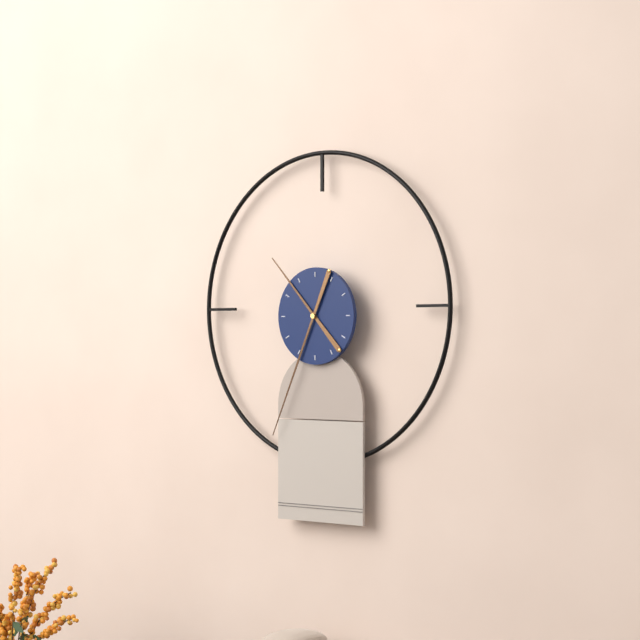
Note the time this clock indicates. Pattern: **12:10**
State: **10:34**
